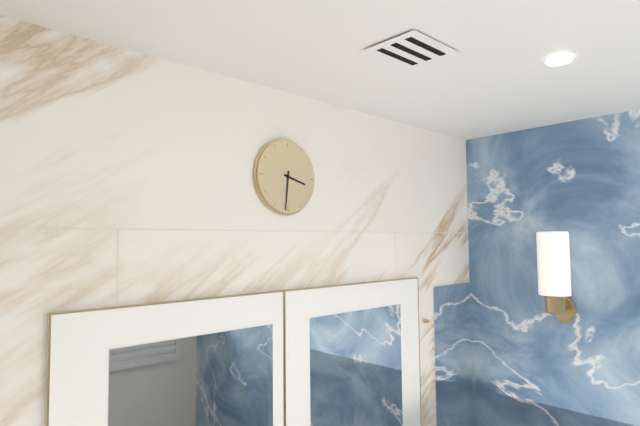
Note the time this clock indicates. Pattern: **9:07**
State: **3:31**
